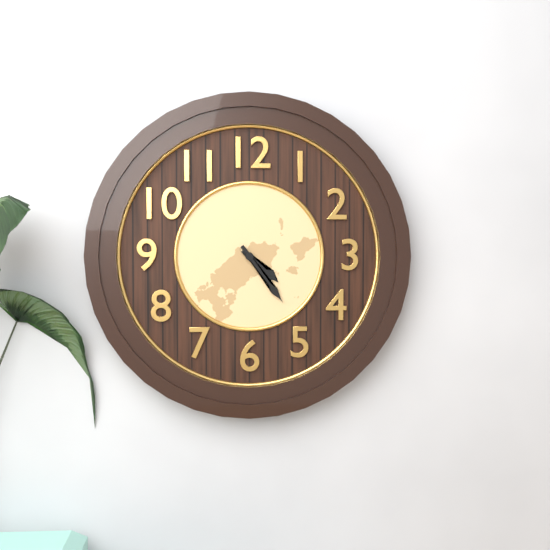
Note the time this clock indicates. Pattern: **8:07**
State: **4:24**
